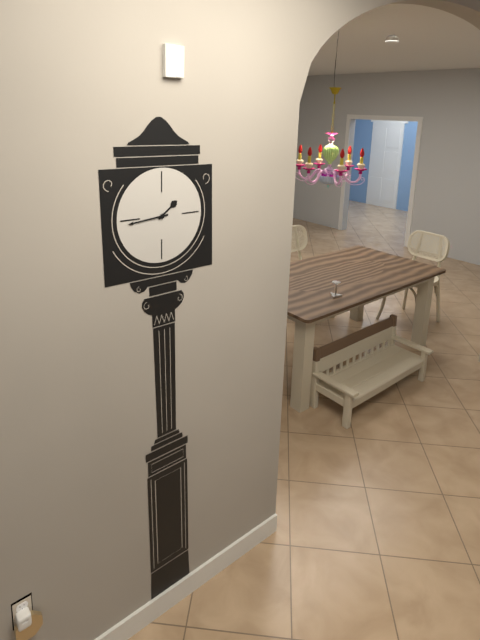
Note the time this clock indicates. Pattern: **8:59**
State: **1:44**
